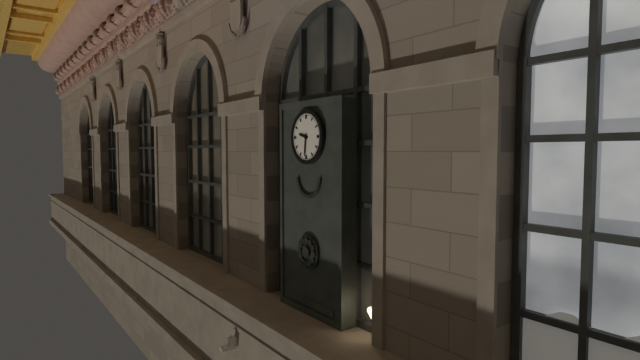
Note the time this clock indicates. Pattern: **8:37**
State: **9:31**
